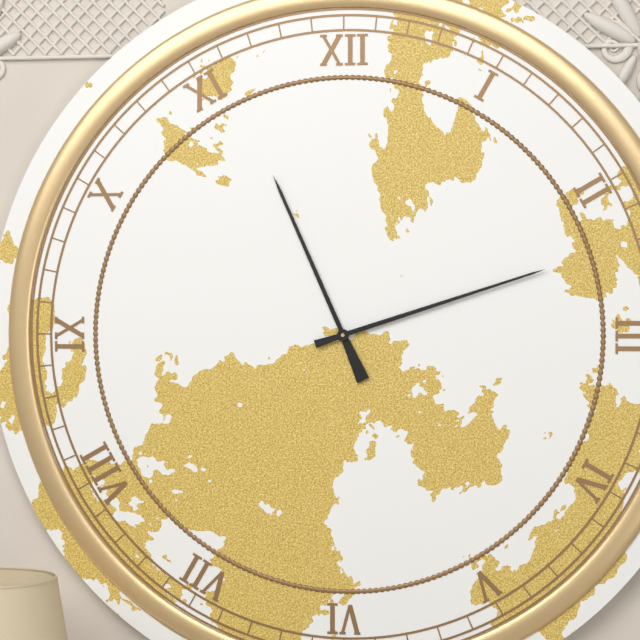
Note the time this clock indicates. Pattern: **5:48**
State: **11:12**
